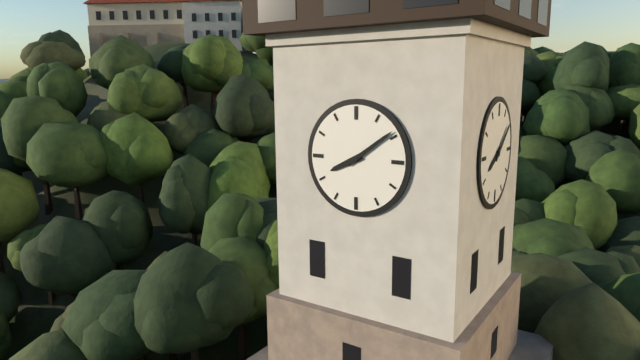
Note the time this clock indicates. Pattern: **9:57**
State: **8:09**
